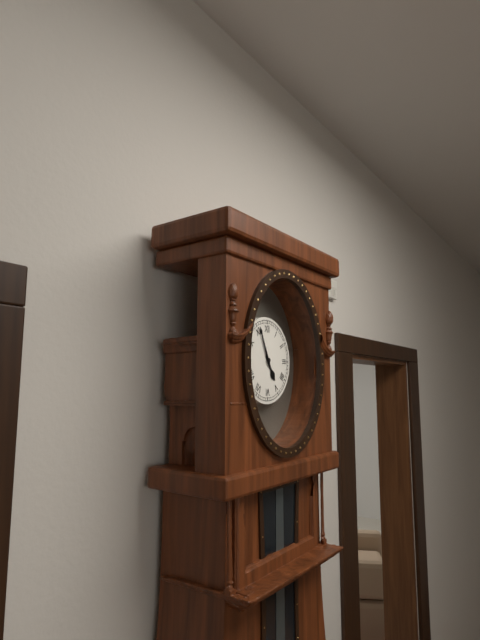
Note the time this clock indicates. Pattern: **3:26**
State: **4:56**
